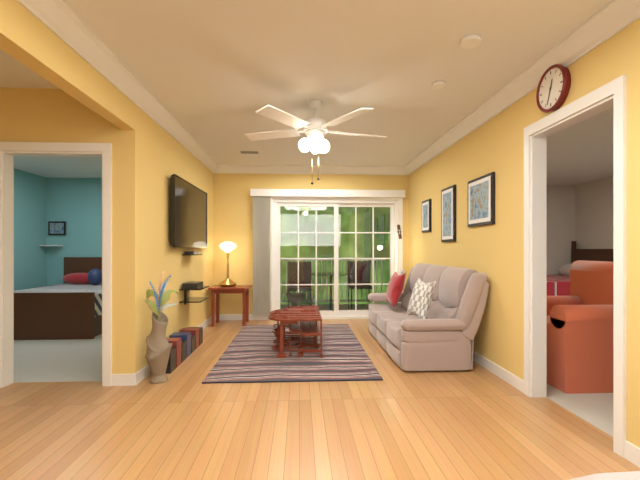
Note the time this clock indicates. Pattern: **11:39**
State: **12:33**
